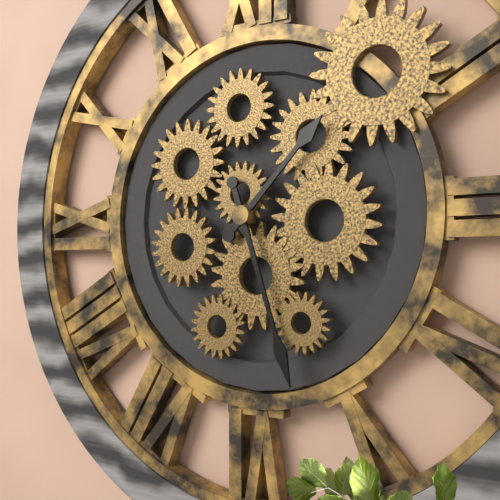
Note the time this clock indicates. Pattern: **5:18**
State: **1:27**
